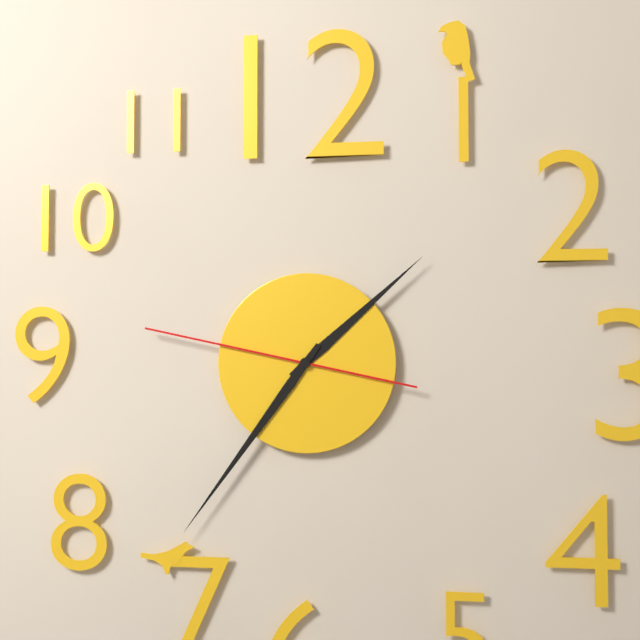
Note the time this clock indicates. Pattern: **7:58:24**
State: **1:36:47**
